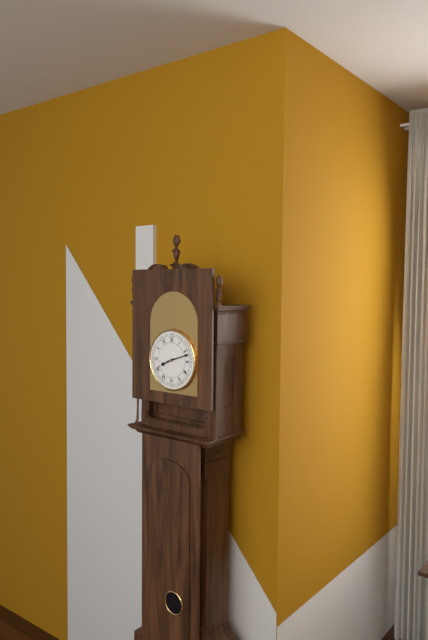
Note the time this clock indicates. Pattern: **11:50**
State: **8:12**
